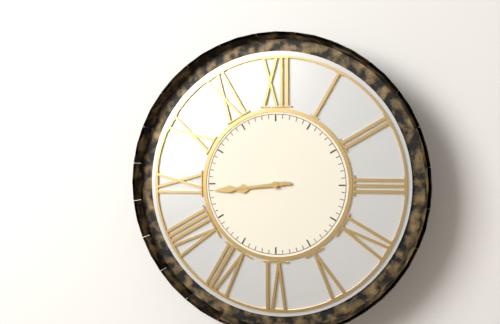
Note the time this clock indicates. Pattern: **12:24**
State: **8:44**
